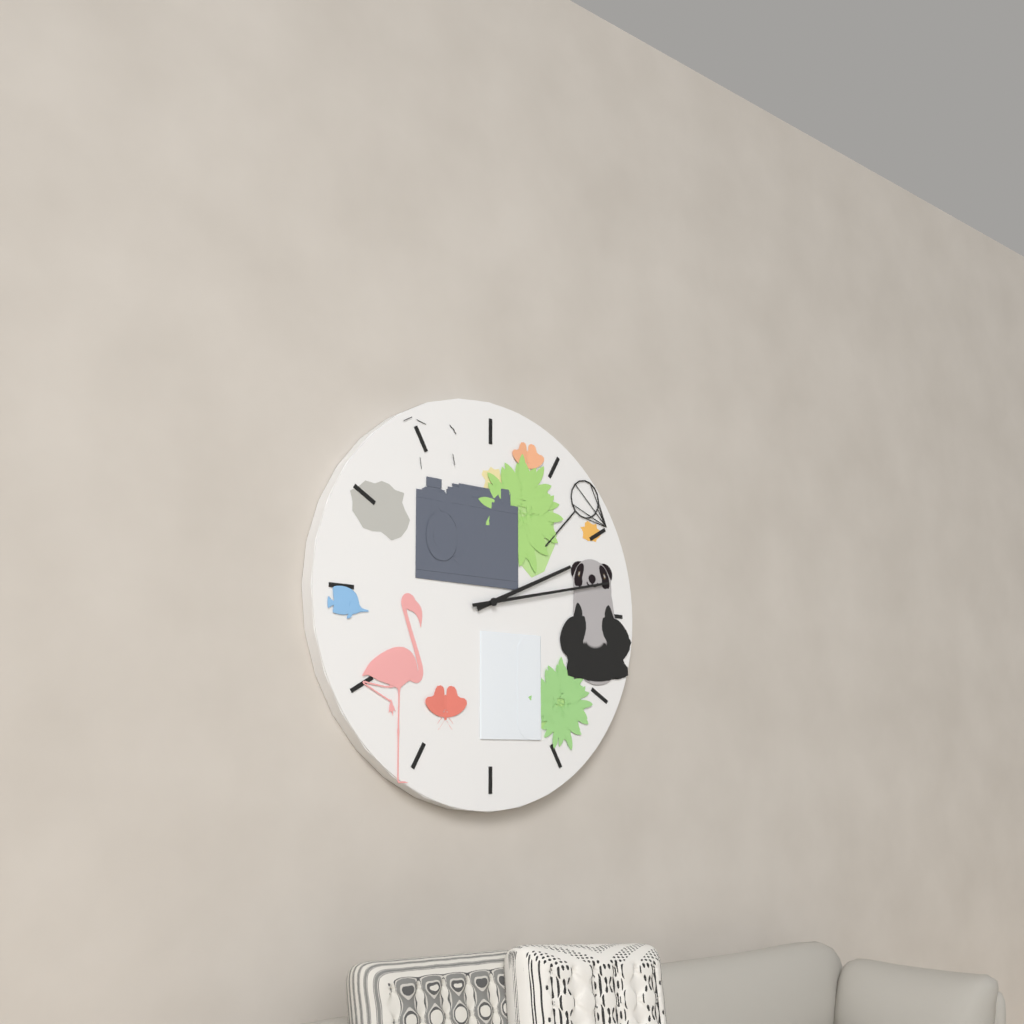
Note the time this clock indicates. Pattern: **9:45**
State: **2:13**
